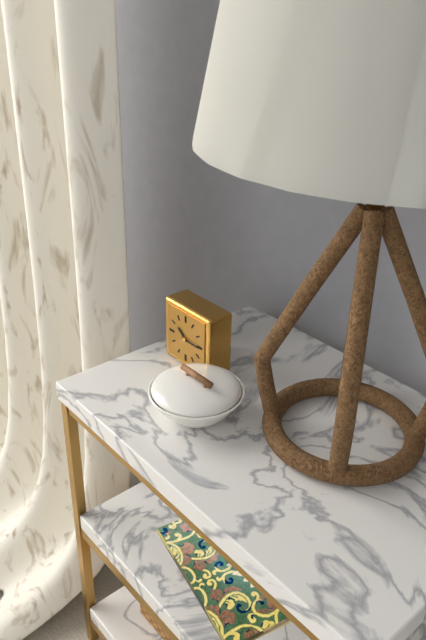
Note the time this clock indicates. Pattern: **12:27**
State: **10:15**
